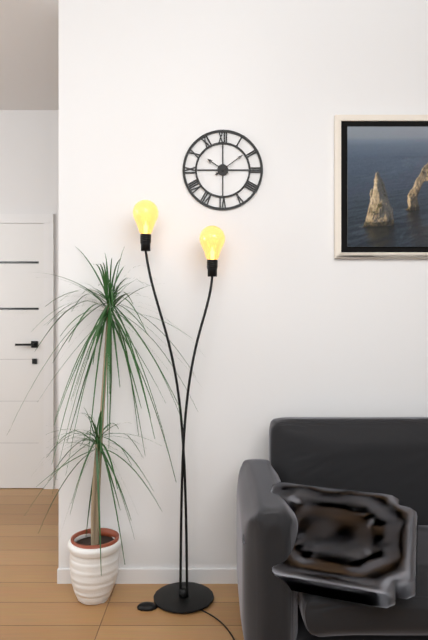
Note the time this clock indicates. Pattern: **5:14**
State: **10:09**
